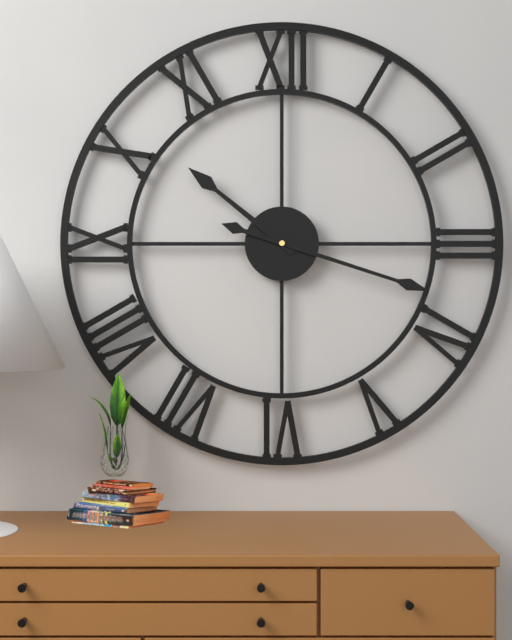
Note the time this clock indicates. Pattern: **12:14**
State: **10:18**
